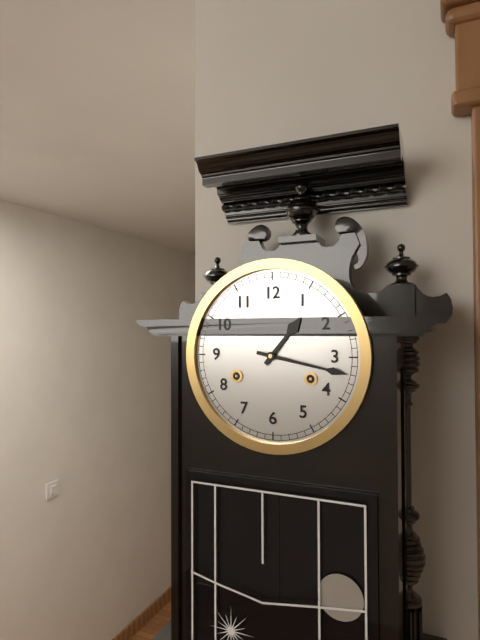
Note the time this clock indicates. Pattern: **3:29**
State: **1:17**
